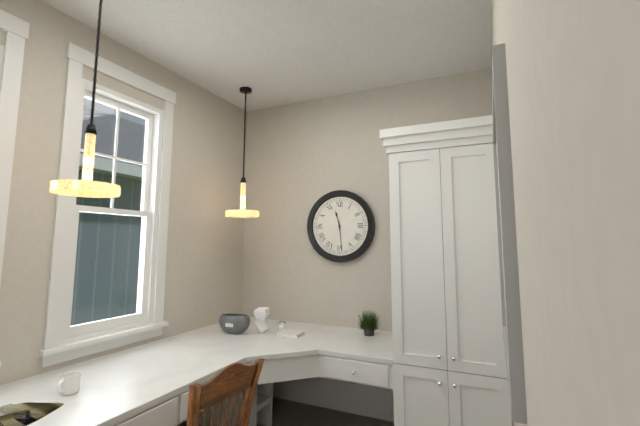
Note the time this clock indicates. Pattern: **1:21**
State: **11:29**
